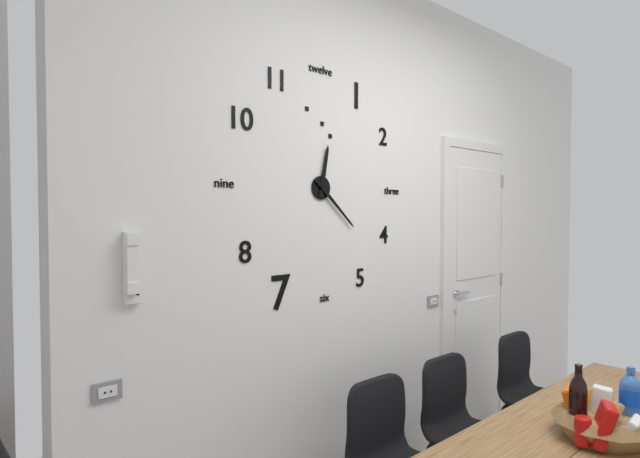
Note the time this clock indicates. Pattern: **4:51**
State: **12:22**
